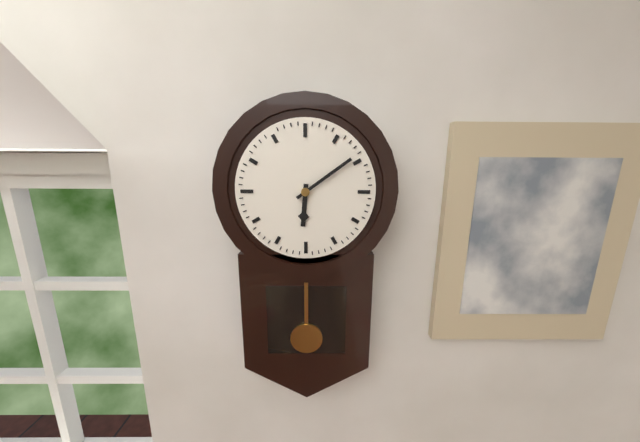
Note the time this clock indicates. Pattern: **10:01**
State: **6:09**
